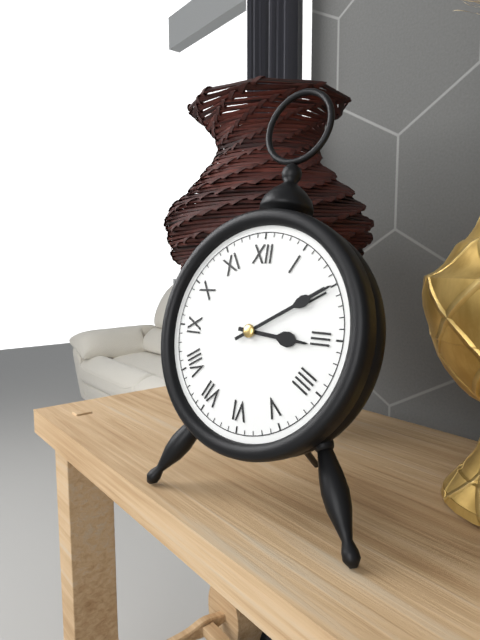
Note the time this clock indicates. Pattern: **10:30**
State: **3:10**
